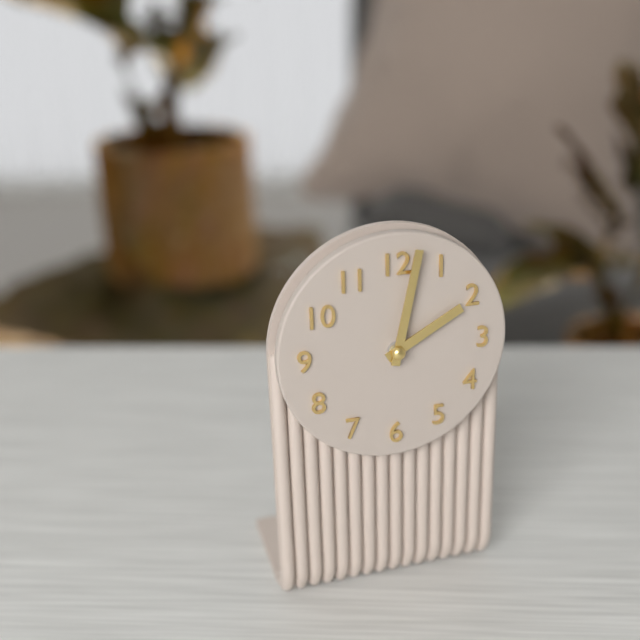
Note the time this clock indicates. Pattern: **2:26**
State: **2:02**
